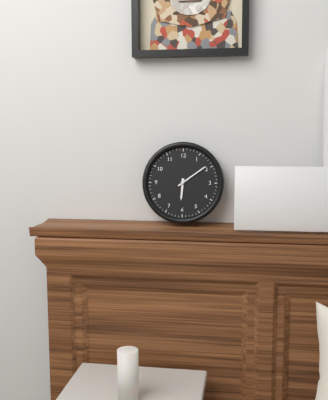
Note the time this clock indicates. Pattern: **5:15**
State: **6:09**
